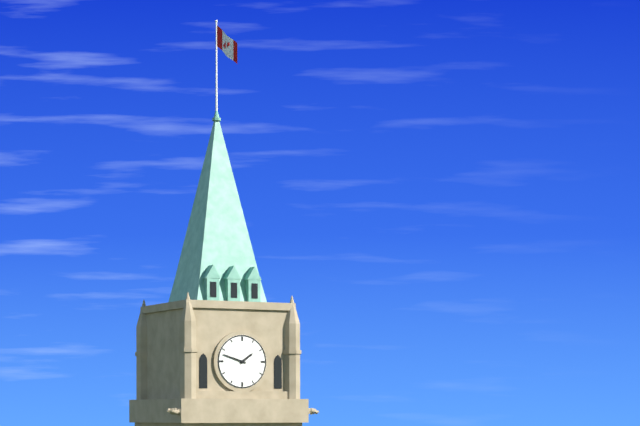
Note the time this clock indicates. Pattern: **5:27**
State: **1:48**
